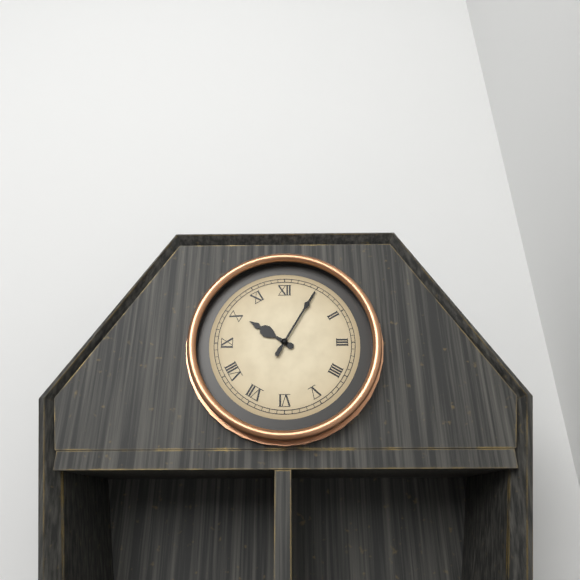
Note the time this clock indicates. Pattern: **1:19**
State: **10:05**
